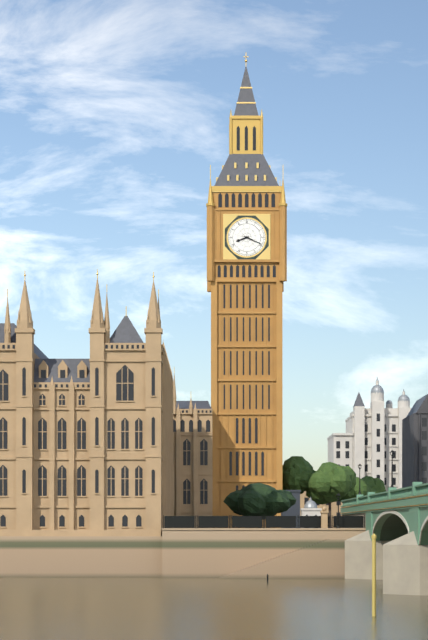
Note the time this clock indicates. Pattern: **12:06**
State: **8:19**
